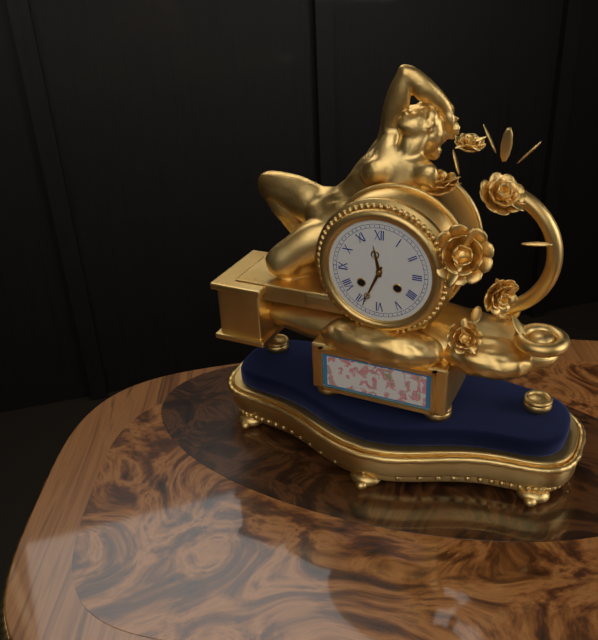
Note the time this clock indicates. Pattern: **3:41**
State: **11:34**
